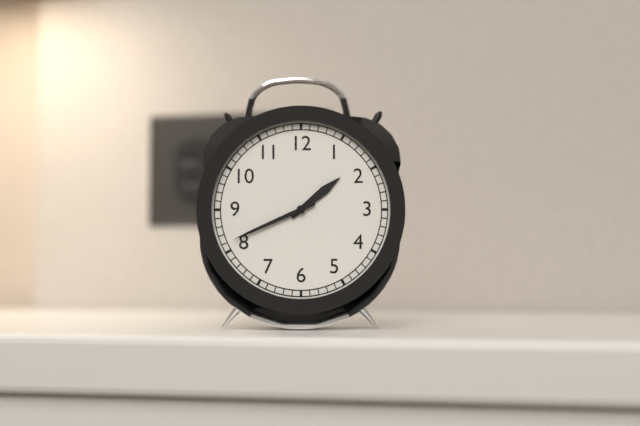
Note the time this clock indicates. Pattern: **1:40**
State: **1:41**
